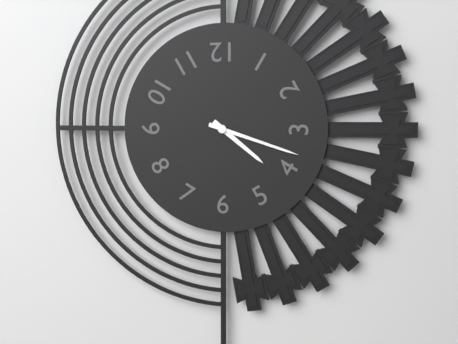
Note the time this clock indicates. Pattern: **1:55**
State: **4:18**
